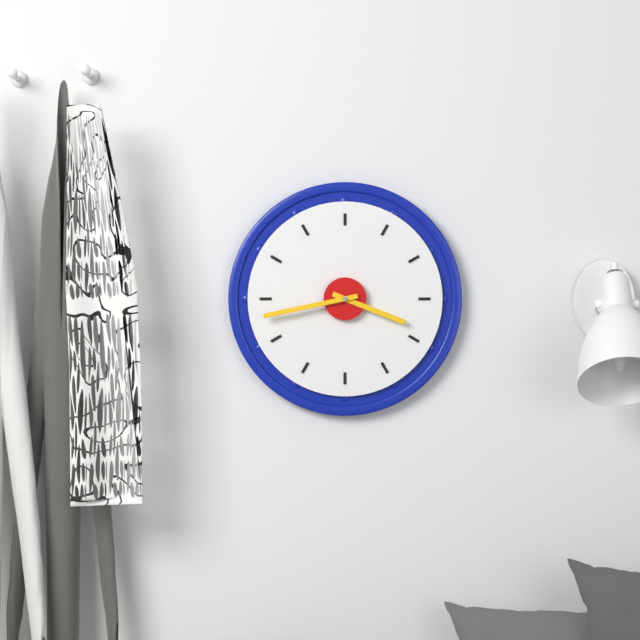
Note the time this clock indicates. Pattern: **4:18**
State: **3:43**
